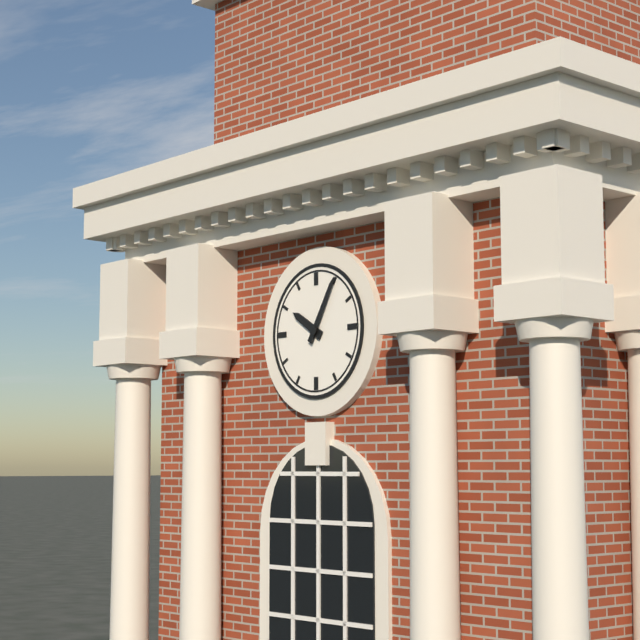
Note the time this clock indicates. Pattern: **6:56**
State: **10:05**
